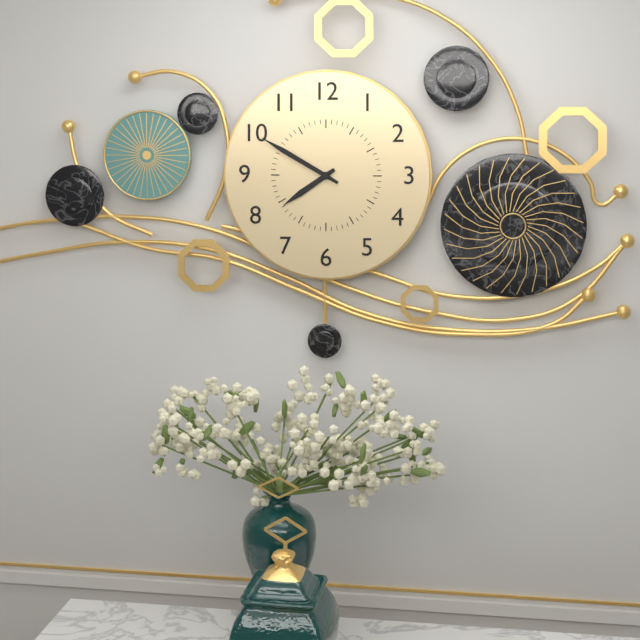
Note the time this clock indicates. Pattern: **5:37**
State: **7:50**
